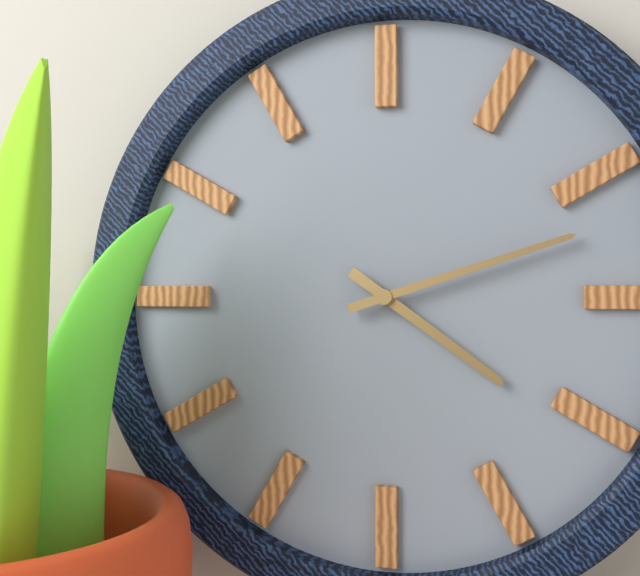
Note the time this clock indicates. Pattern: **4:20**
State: **4:12**
